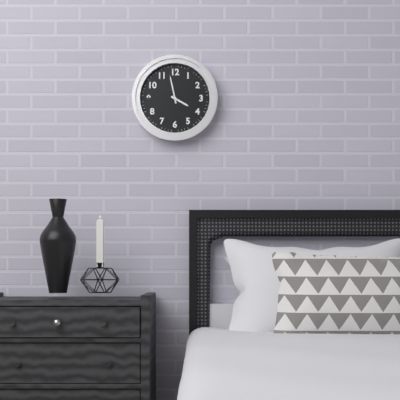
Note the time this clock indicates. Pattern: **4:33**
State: **3:58**
